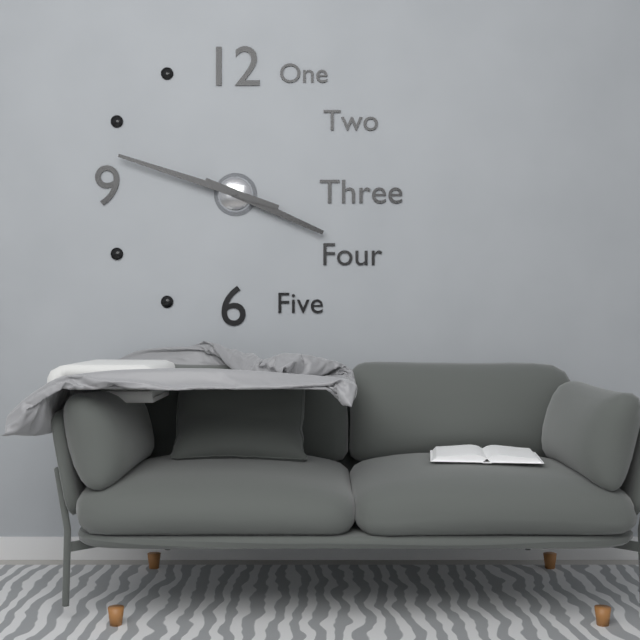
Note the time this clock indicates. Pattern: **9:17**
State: **3:48**
